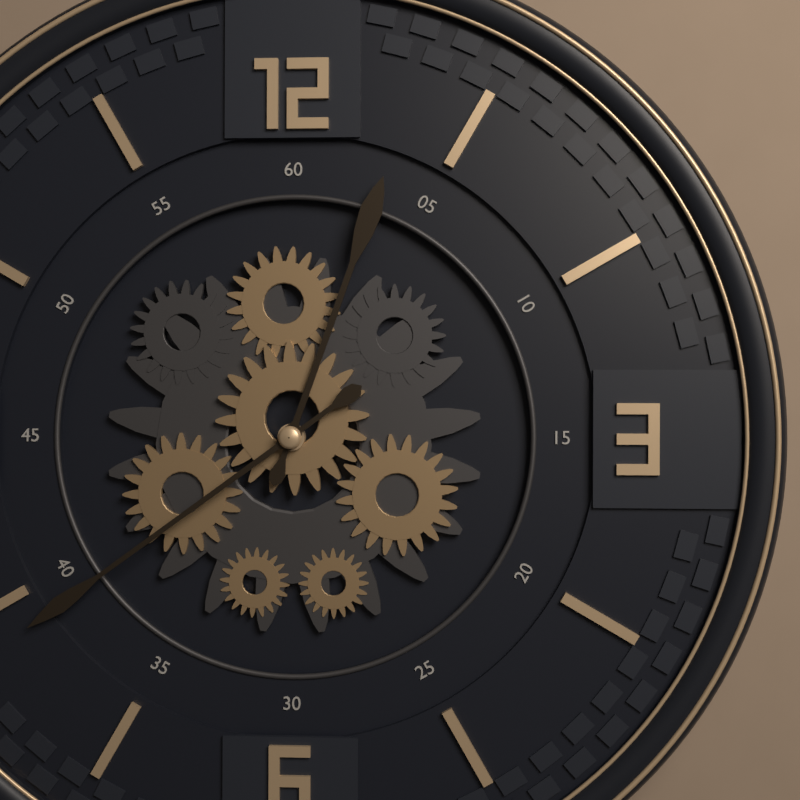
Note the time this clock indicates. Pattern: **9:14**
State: **12:39**
